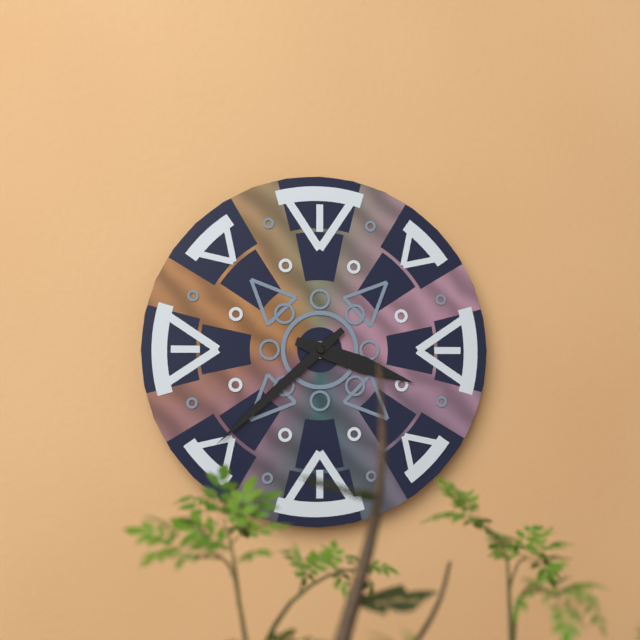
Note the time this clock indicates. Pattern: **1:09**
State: **3:38**
